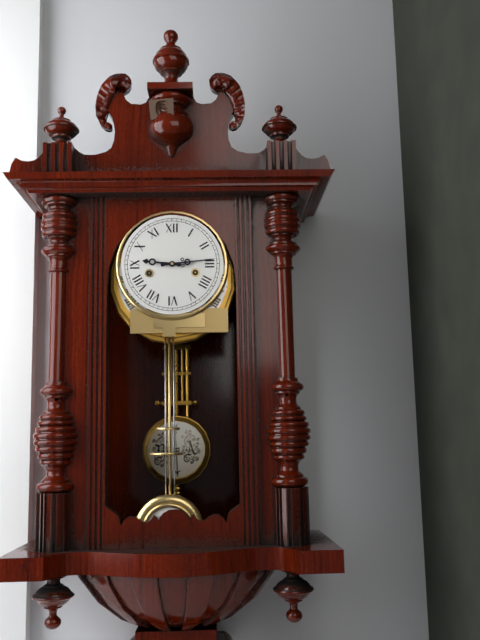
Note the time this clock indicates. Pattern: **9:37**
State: **9:14**
